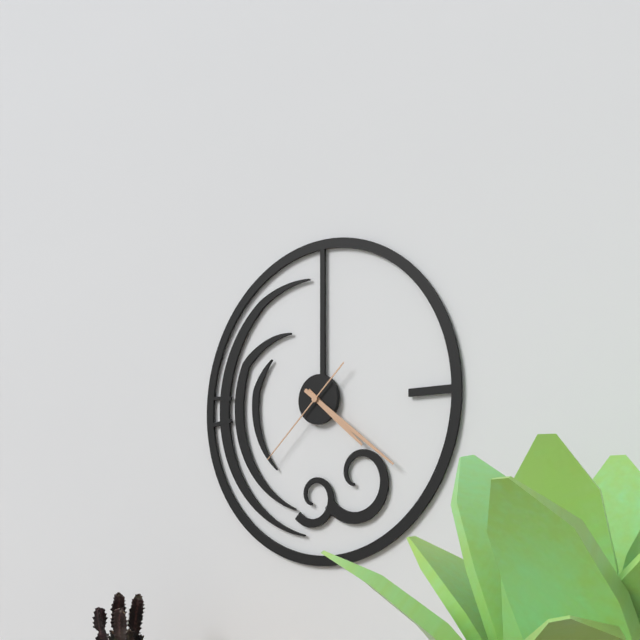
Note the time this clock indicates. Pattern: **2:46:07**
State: **4:21:38**
